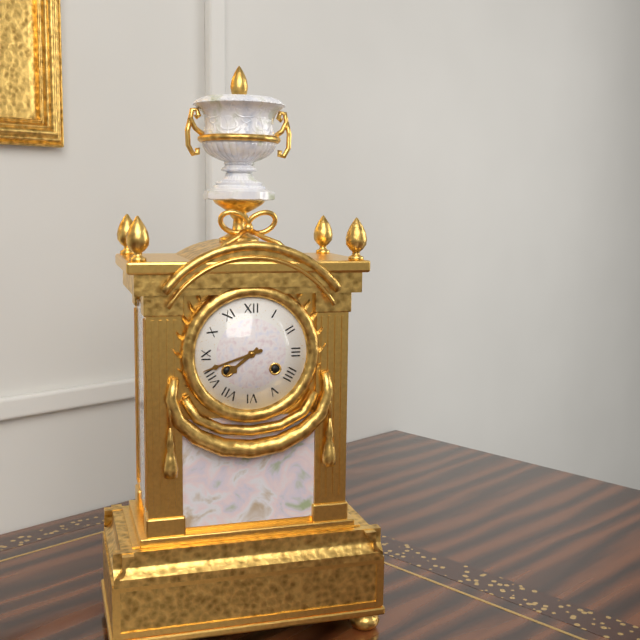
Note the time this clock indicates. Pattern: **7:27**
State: **7:42**
